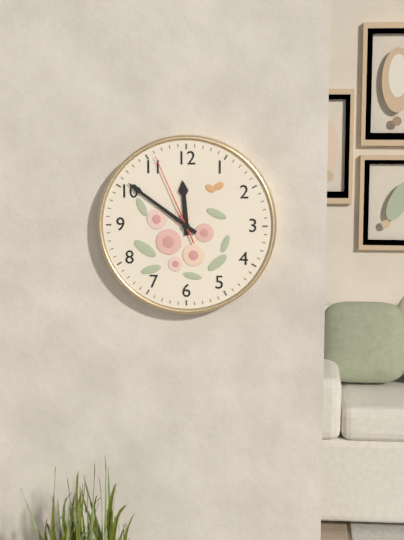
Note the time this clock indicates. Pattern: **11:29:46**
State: **11:51:56**
